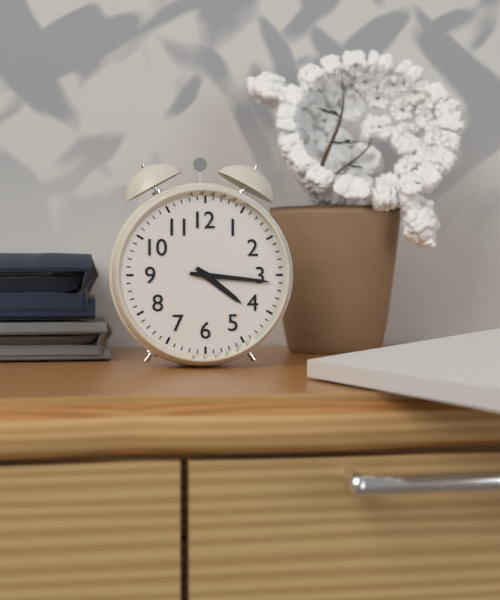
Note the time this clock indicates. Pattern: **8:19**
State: **4:16**
